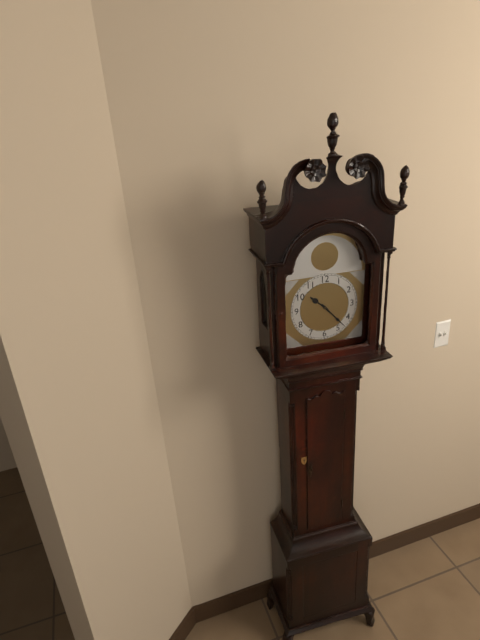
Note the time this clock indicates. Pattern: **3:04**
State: **10:23**
